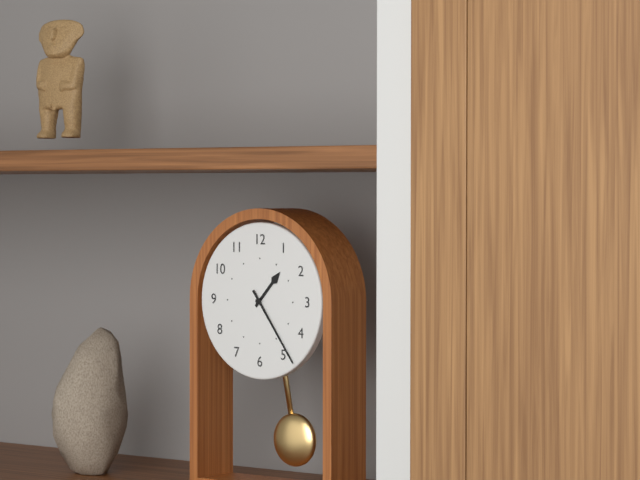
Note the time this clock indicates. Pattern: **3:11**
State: **1:24**
